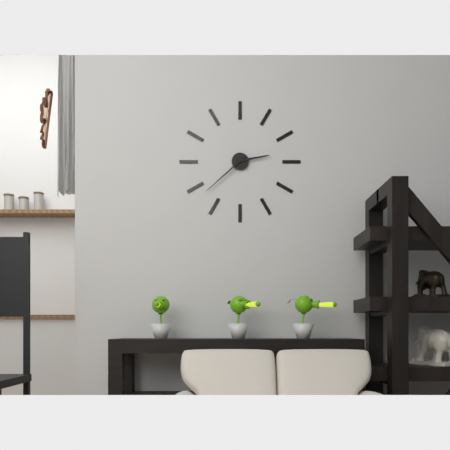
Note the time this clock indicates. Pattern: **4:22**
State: **2:38**
